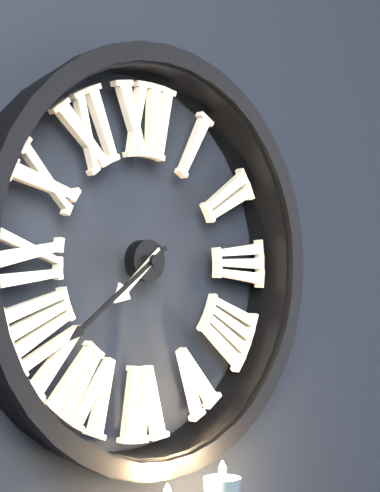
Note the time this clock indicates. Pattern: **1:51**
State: **7:39**
